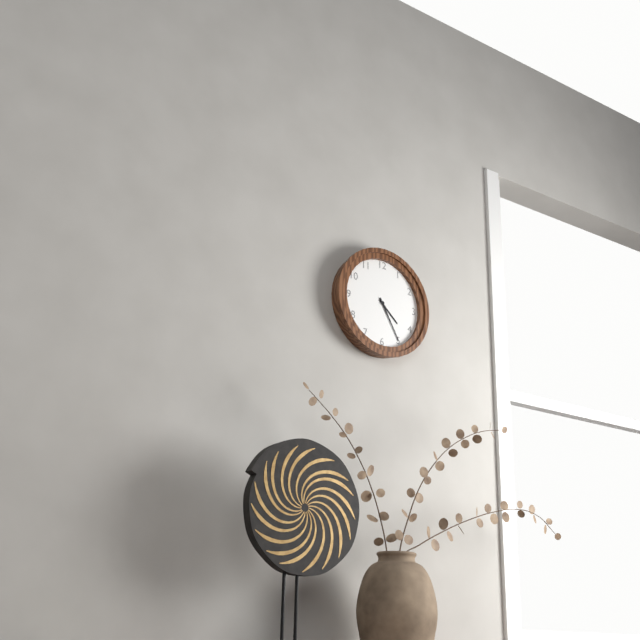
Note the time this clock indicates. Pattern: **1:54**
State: **4:25**
